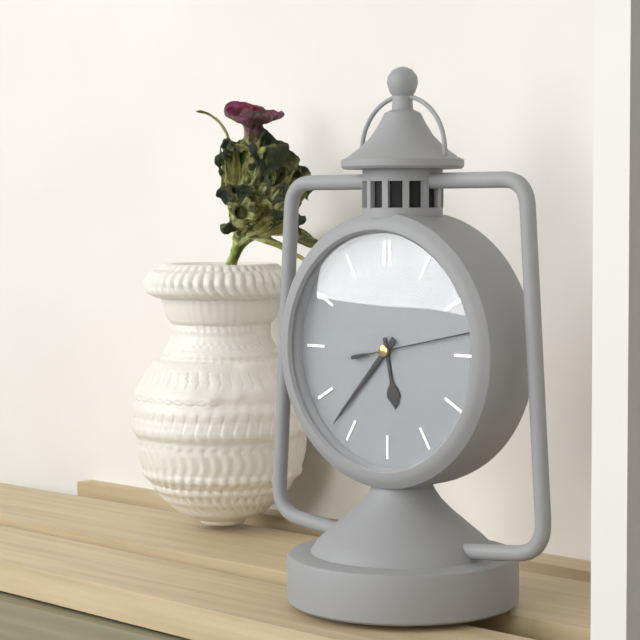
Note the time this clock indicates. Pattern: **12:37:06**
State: **5:37:13**
